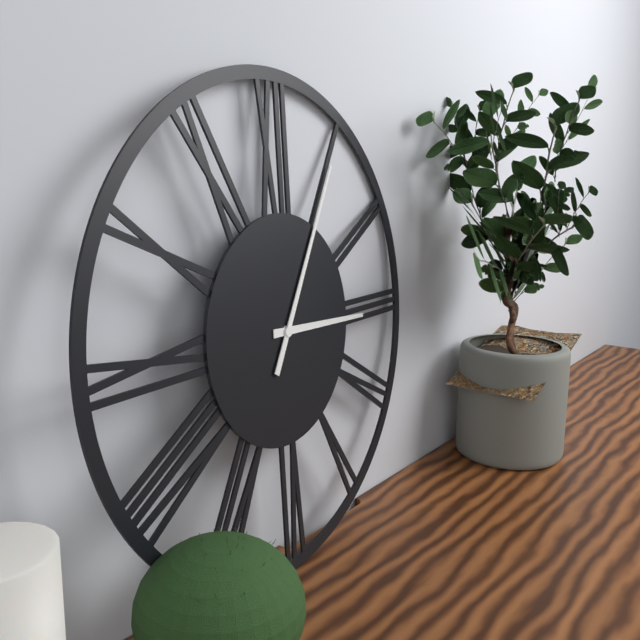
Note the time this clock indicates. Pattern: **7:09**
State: **3:05**
